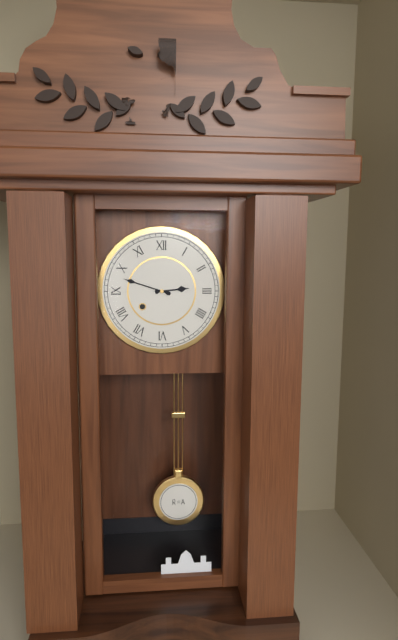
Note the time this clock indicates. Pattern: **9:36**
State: **2:48**
